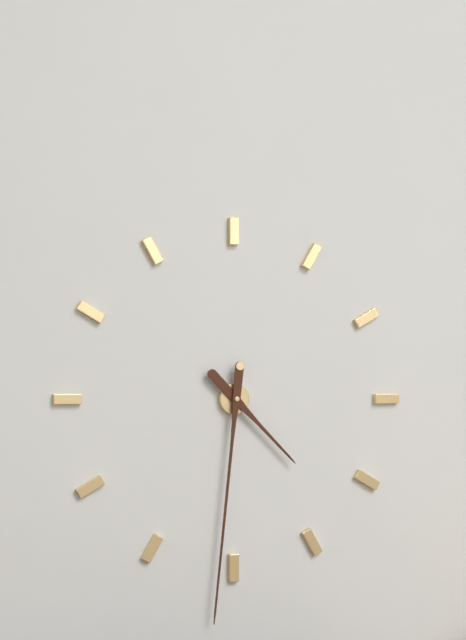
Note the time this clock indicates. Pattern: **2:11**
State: **4:31**
